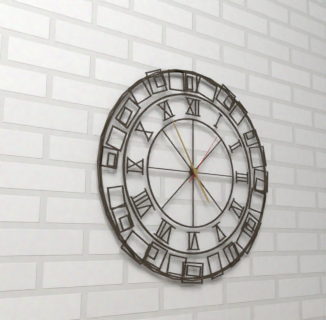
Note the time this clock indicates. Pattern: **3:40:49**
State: **4:55:06**
